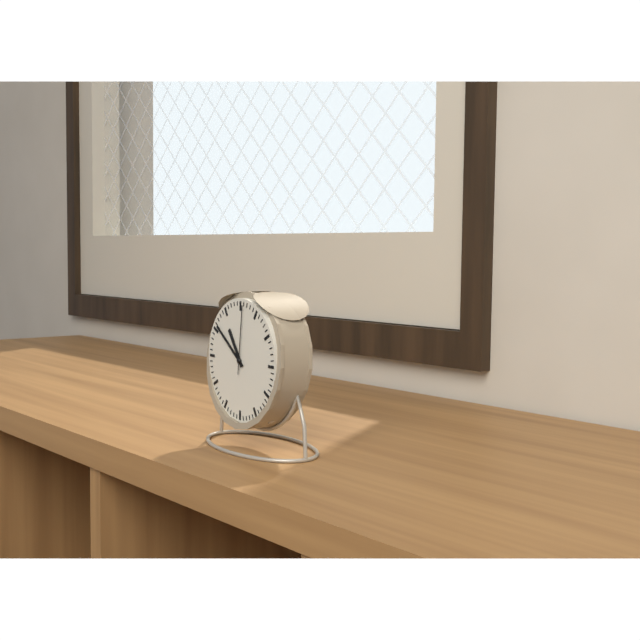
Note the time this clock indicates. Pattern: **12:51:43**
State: **10:51:01**
